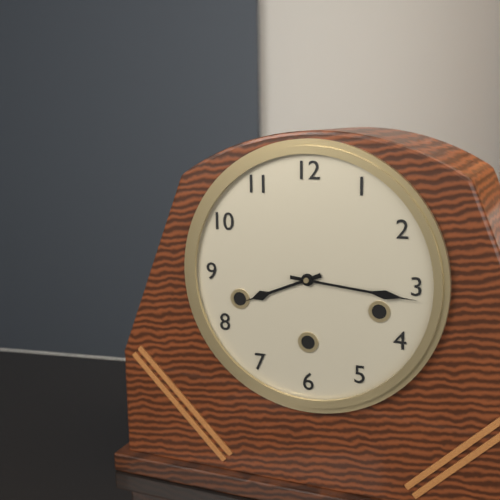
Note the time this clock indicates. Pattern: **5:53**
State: **8:16**
